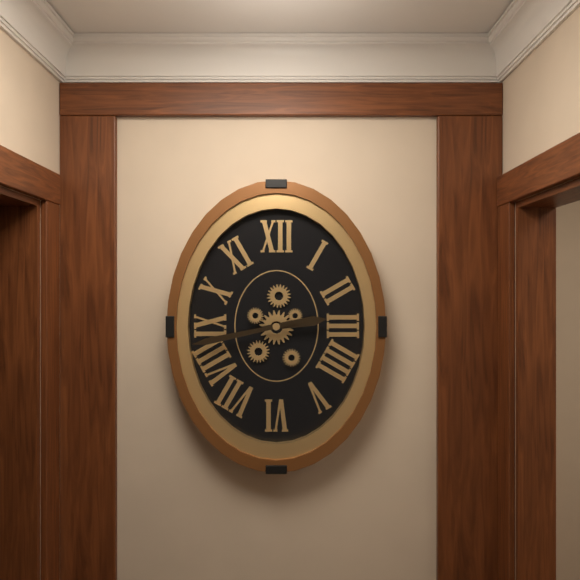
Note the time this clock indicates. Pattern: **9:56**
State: **2:43**
